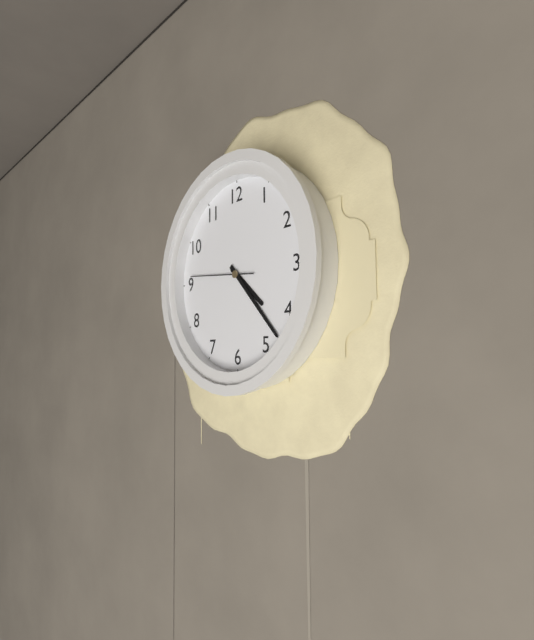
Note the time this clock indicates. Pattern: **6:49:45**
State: **4:23:46**
